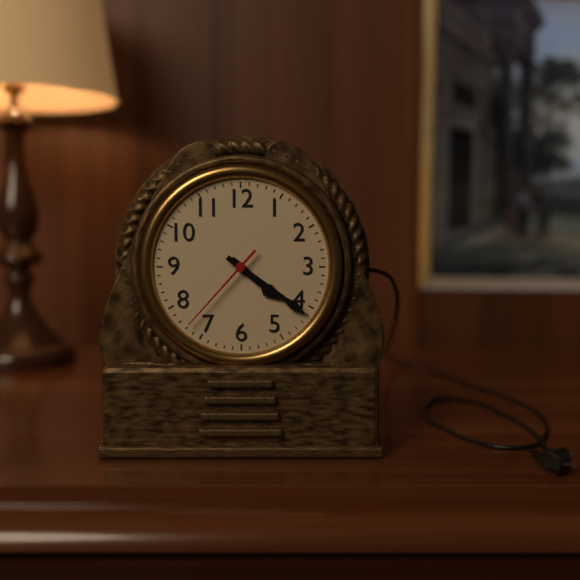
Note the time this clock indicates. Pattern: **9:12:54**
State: **4:21:37**
